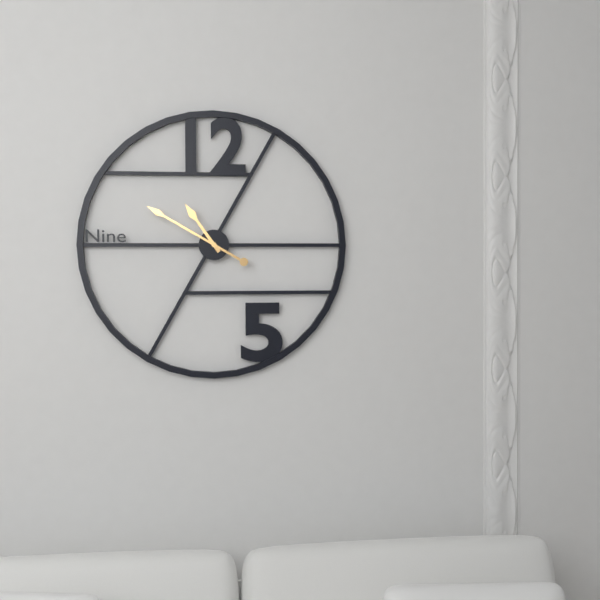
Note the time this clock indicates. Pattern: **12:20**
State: **10:50**
